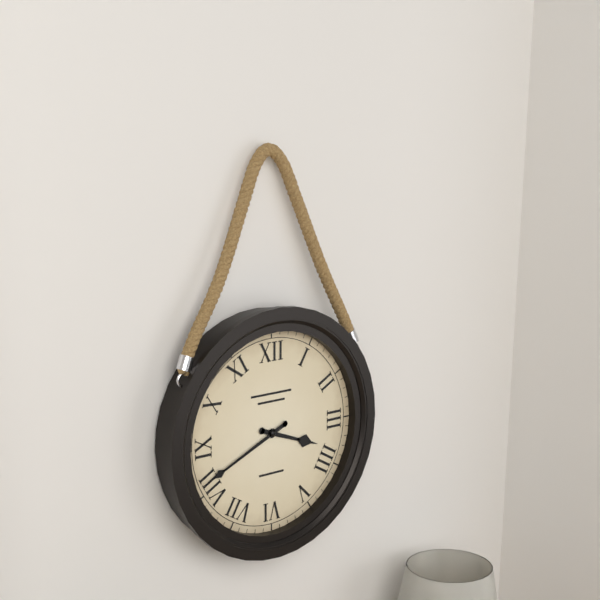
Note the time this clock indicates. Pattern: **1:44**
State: **3:41**
